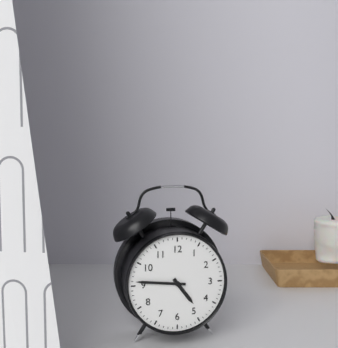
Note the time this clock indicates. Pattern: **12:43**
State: **4:46**
